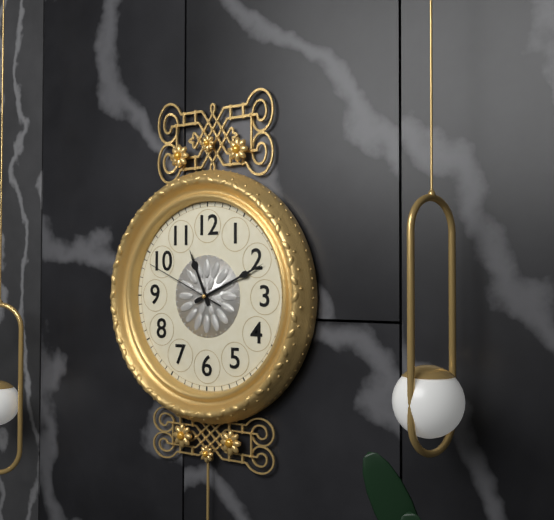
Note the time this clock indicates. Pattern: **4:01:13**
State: **11:11:49**
